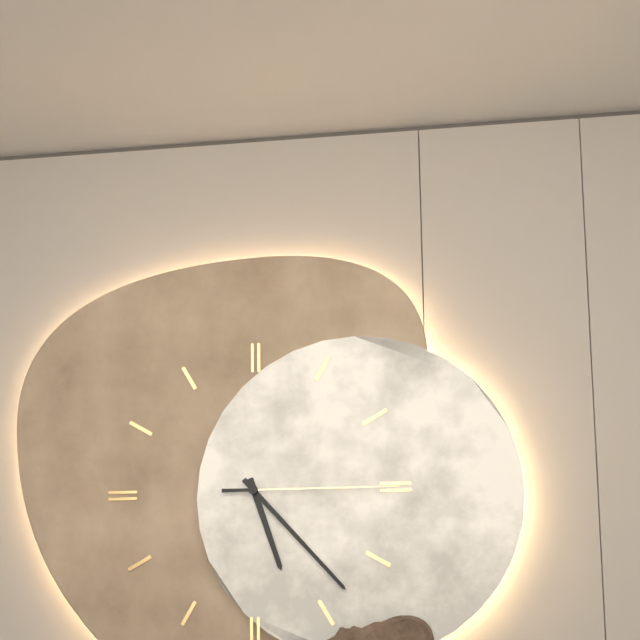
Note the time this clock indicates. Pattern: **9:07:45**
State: **5:23:15**
